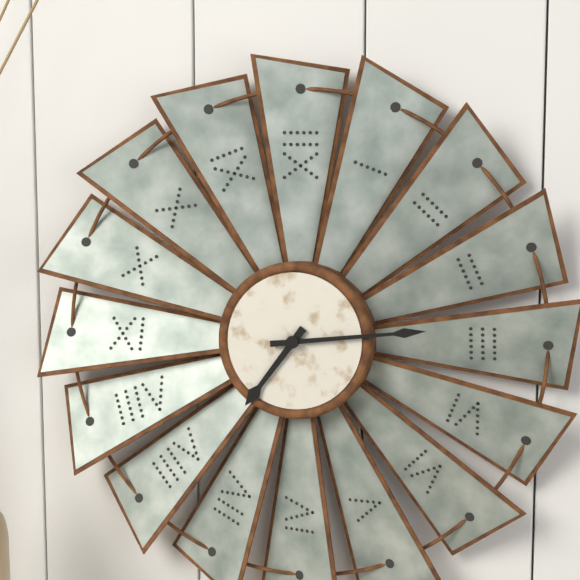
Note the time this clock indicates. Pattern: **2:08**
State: **7:14**
